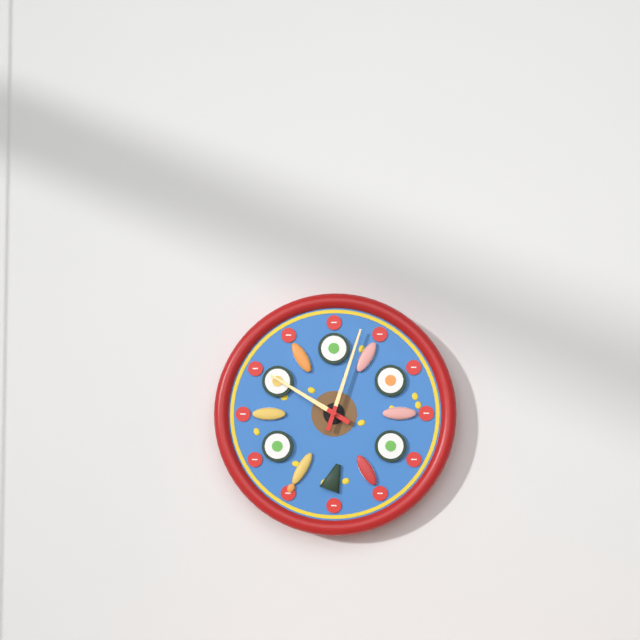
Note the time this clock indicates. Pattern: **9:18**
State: **10:03**
